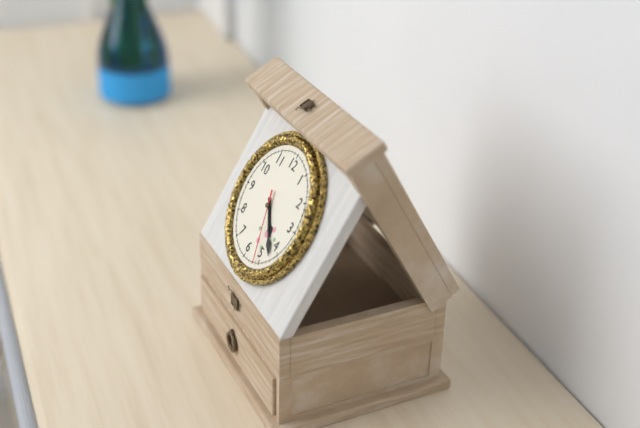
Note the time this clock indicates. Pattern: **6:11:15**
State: **4:22:26**
